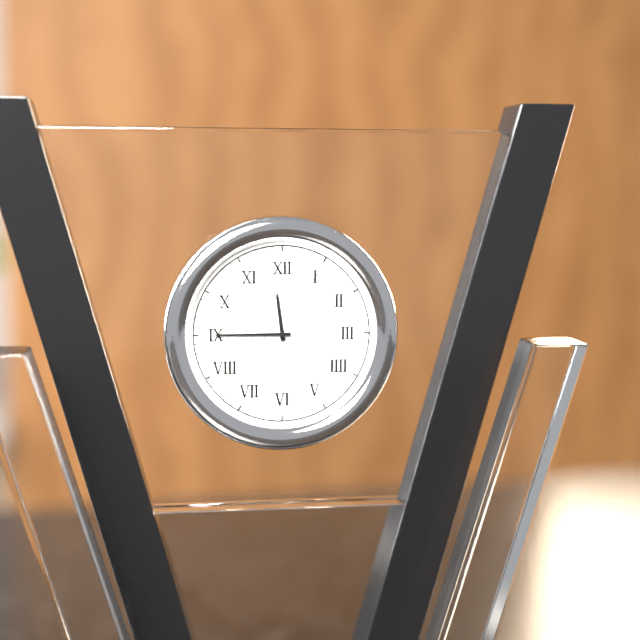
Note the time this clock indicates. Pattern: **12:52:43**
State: **11:45:05**
